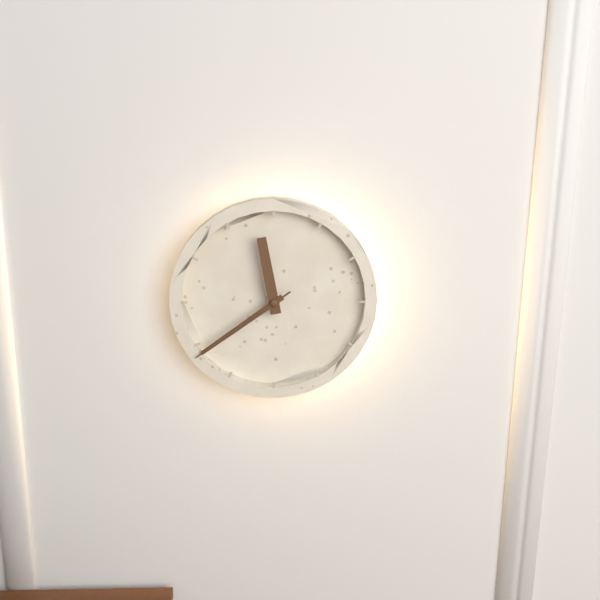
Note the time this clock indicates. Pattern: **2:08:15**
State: **11:39:39**
